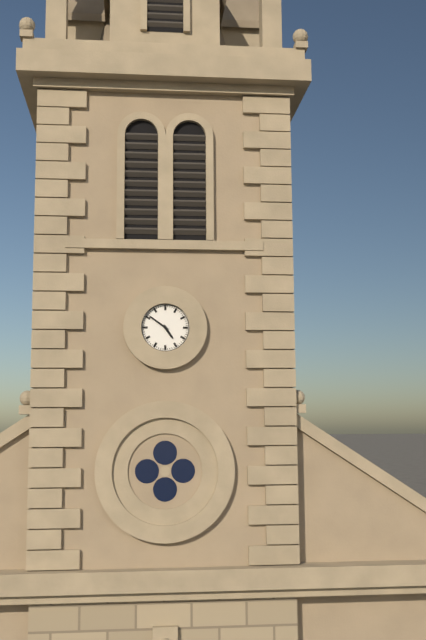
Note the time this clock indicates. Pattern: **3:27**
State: **4:51**
